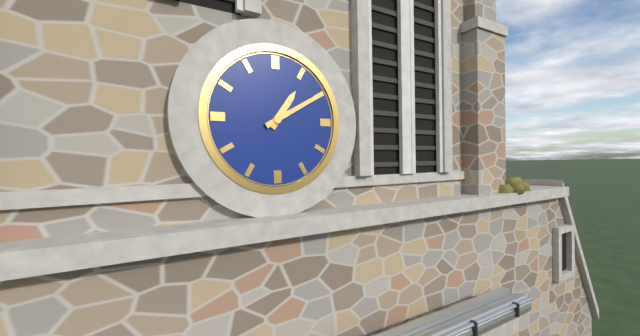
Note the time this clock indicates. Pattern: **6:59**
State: **1:10**
